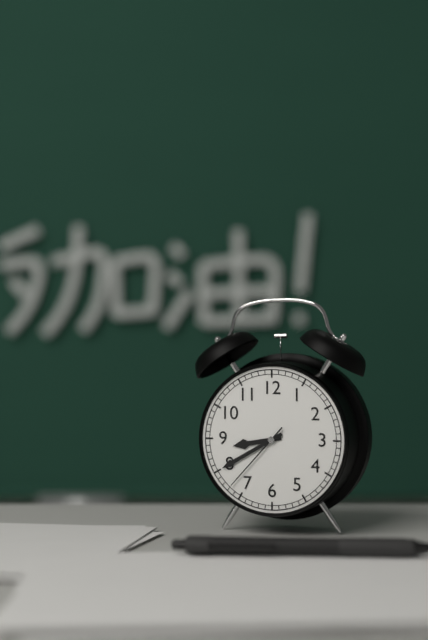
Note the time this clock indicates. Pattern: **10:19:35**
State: **8:40:37**
